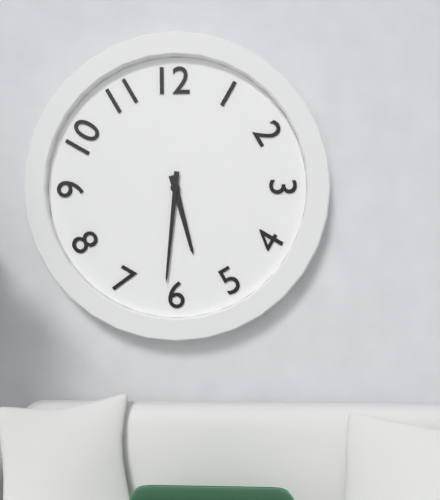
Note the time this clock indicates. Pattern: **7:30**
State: **5:31**
